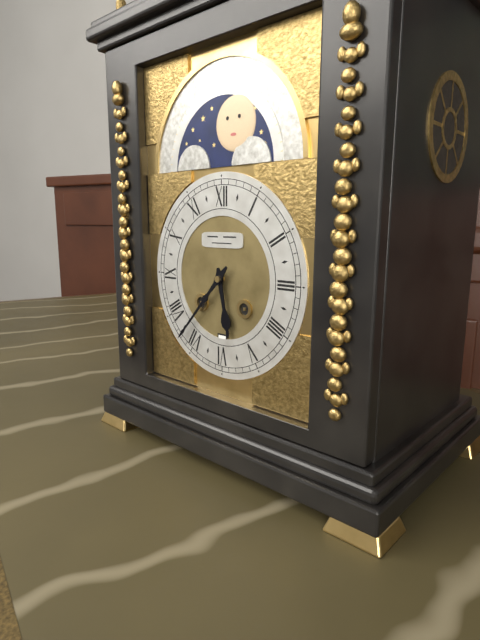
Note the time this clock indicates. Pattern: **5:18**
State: **5:37**
